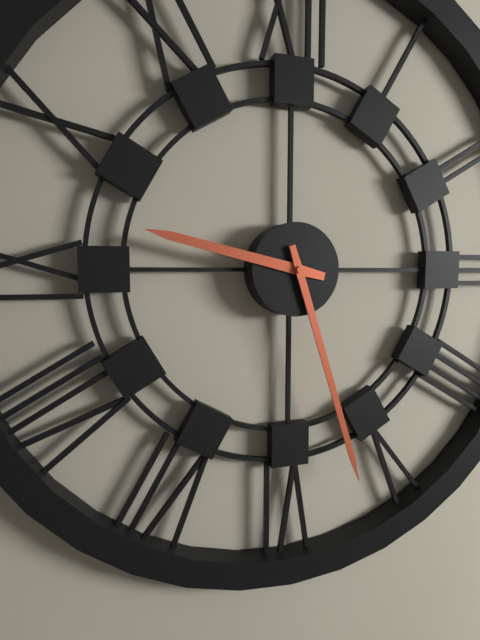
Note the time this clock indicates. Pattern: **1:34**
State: **9:27**
